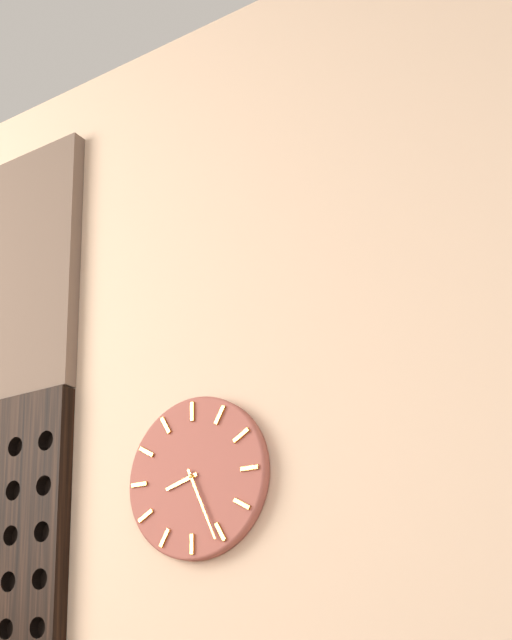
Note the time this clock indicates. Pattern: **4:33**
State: **8:26**
